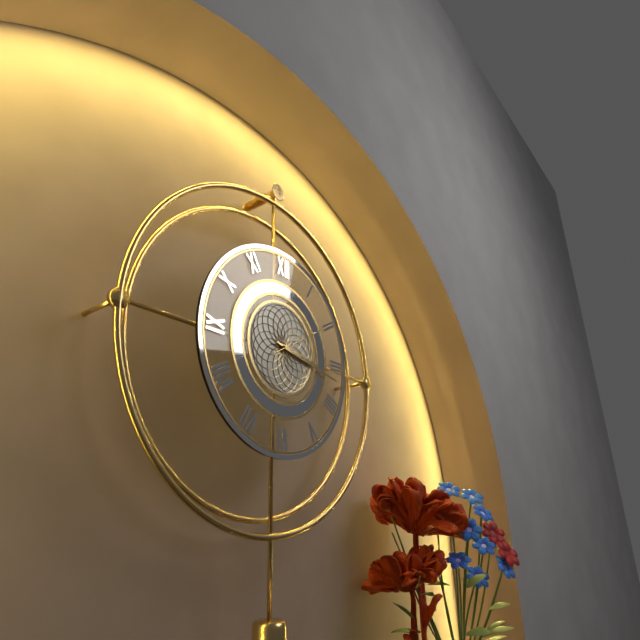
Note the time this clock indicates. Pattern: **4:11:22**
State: **3:17:10**
